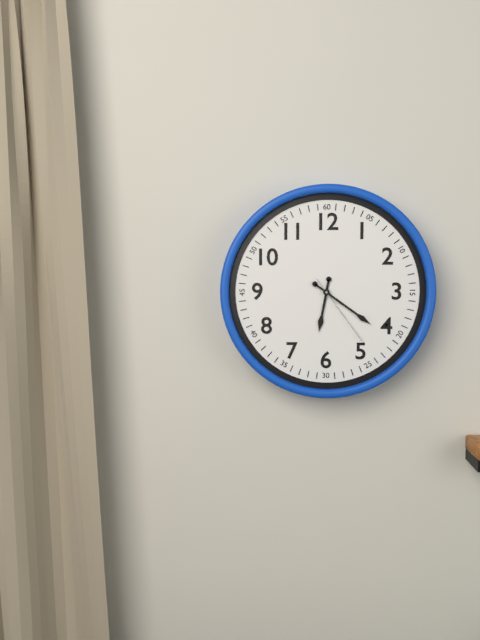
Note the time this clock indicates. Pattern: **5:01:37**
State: **6:21:24**
